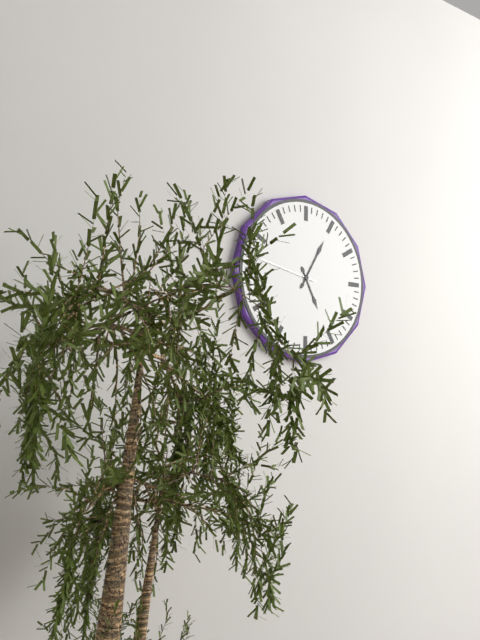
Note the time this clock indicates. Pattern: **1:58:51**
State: **5:05:47**
